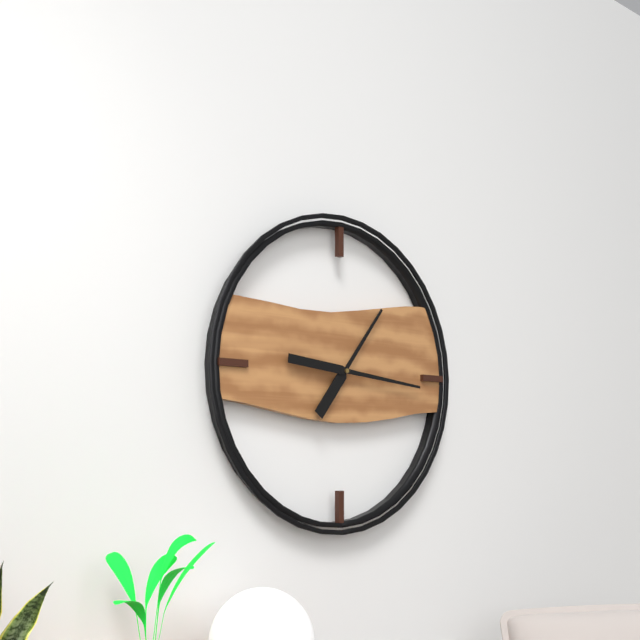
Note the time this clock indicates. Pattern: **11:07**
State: **1:16**
